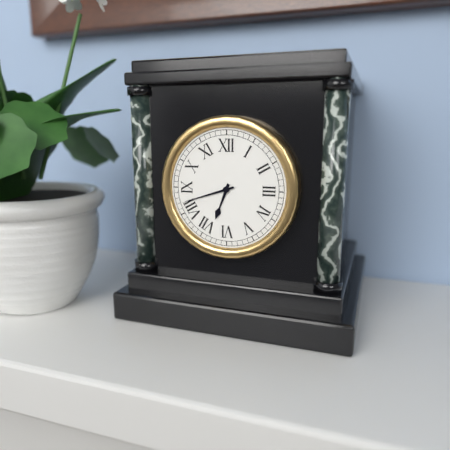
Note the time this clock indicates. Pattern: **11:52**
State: **6:42**
